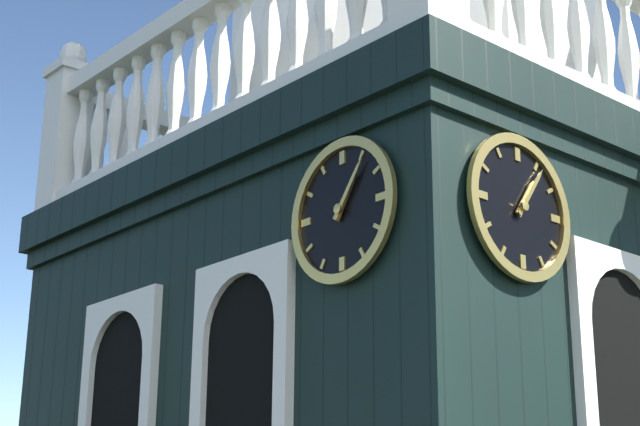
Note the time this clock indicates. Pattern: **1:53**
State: **1:06**
